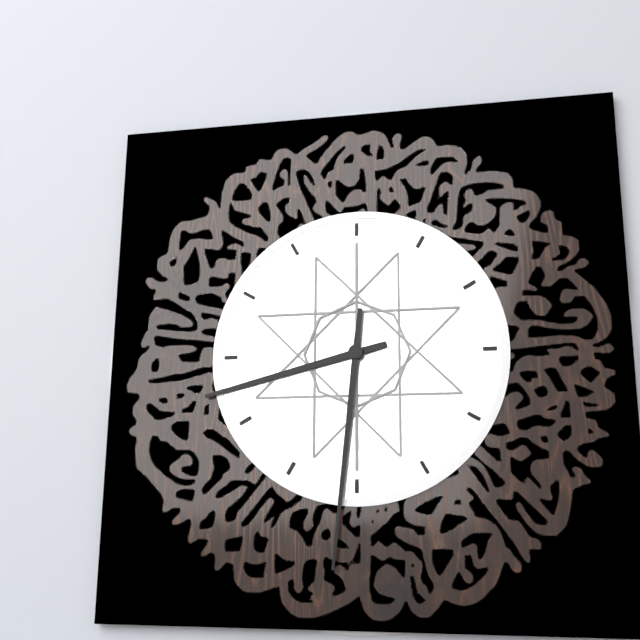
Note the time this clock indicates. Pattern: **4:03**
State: **8:31**
